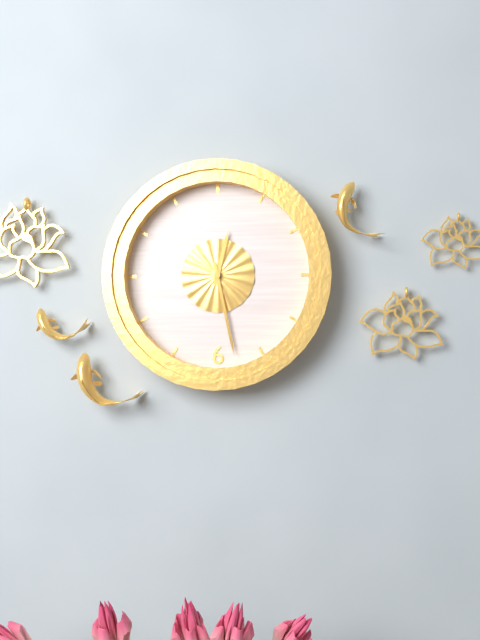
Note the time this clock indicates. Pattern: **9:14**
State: **12:28**
